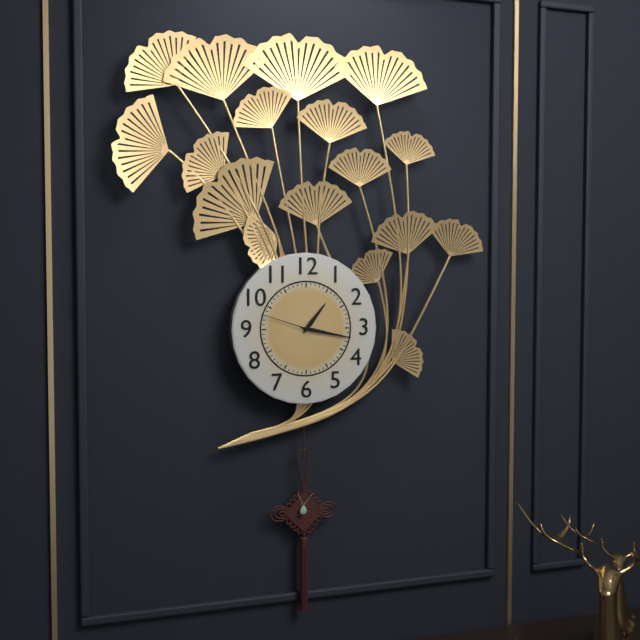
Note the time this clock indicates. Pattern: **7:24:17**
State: **1:17:48**
